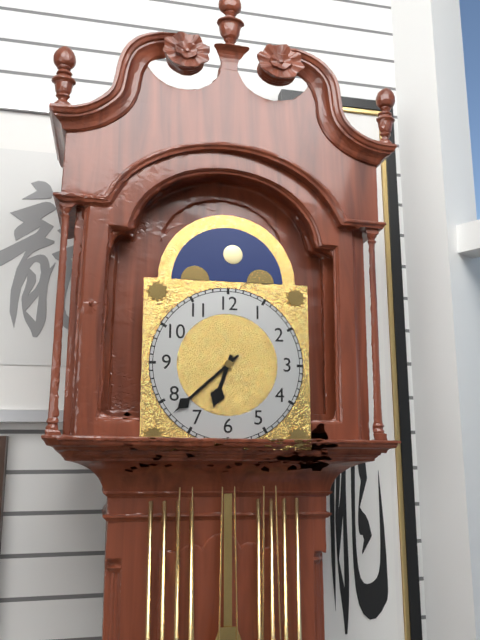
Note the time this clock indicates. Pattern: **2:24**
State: **6:38**
